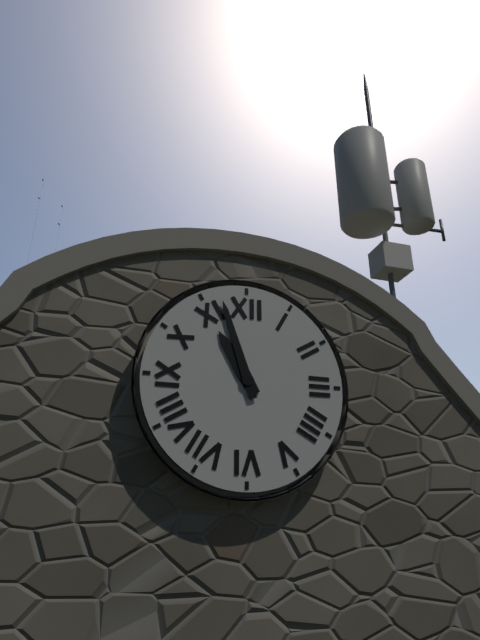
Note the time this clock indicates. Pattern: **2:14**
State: **10:57**
